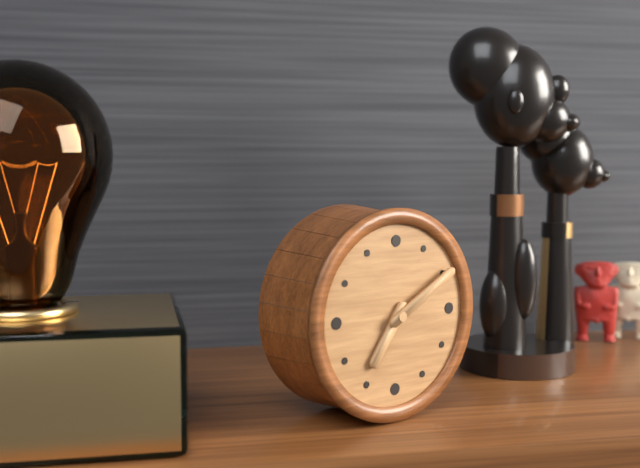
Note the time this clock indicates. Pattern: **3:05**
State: **7:10**
